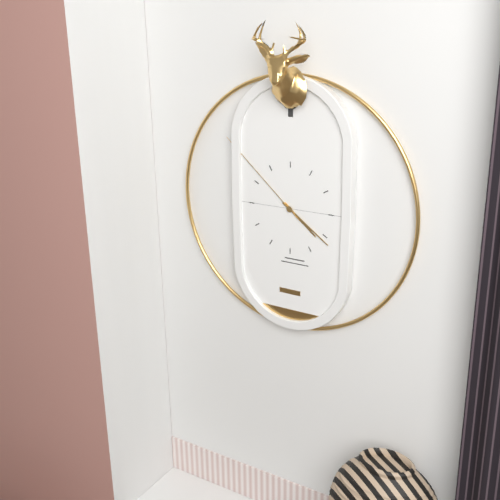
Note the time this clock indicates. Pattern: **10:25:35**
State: **4:21:52**
